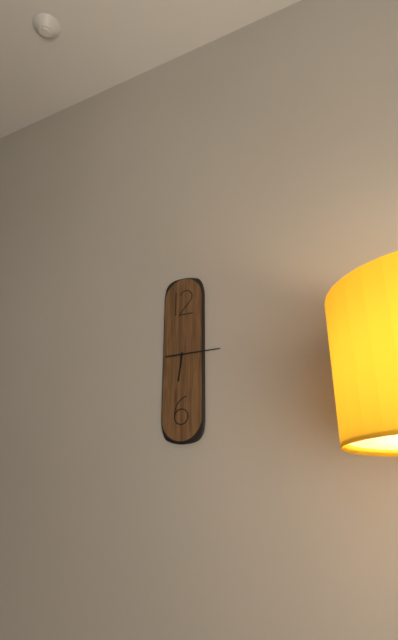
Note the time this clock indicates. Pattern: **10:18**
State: **6:15**
